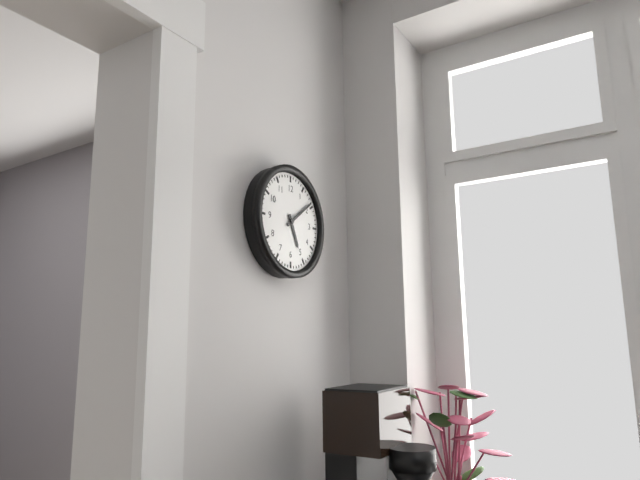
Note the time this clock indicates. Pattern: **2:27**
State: **5:09**
